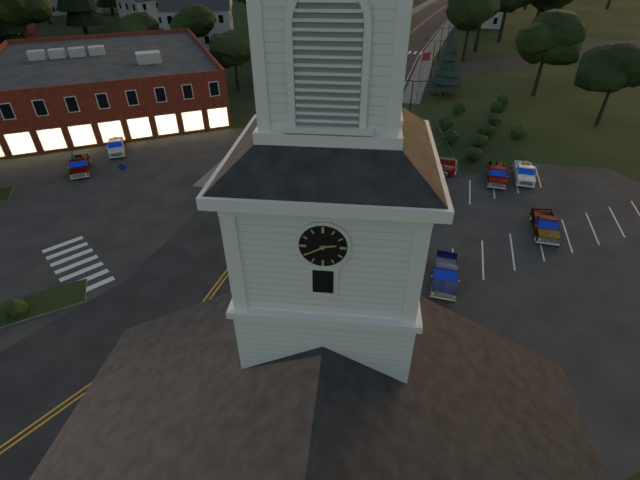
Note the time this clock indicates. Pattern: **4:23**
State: **2:40**
